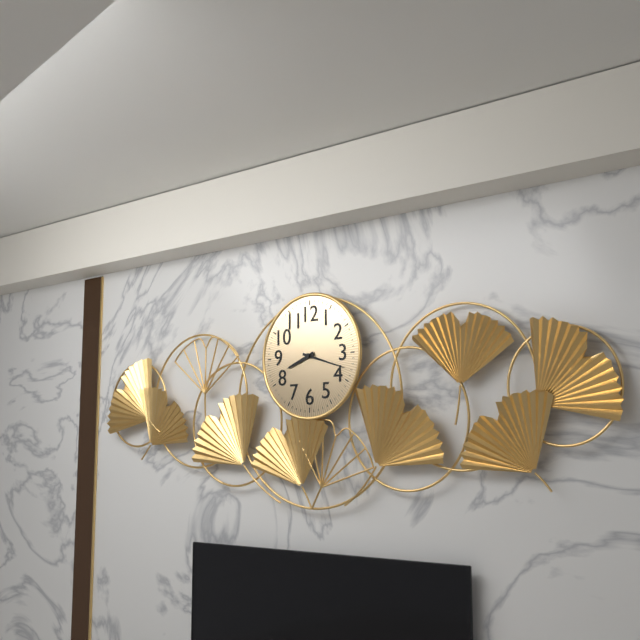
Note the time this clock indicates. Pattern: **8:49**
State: **8:18**
